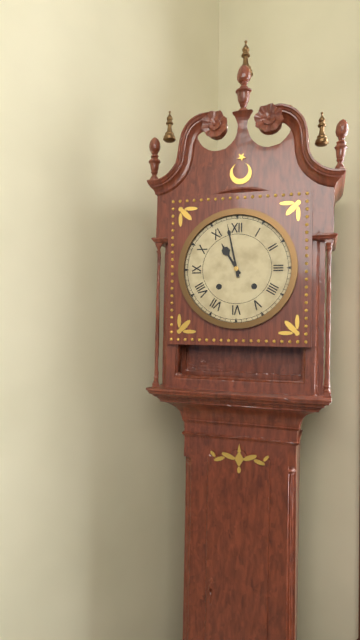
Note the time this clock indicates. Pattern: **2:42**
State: **10:58**
